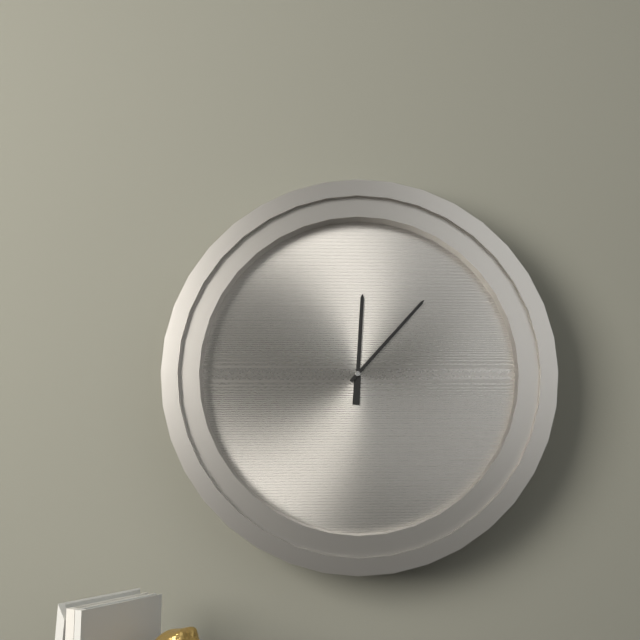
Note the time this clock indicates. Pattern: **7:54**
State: **12:07**
